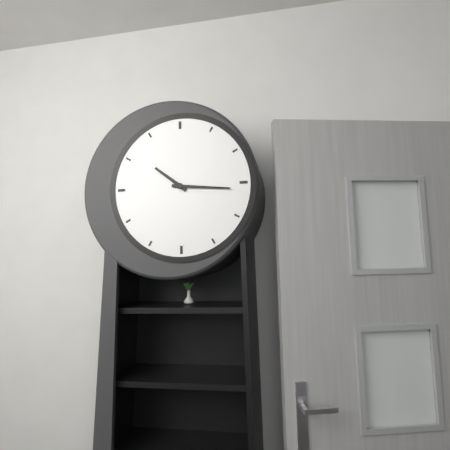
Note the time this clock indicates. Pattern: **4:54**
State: **10:16**
